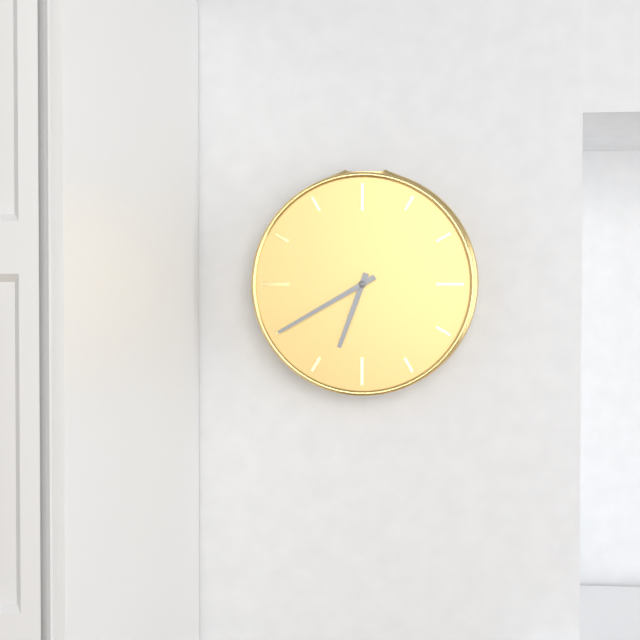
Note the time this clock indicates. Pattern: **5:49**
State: **6:40**
